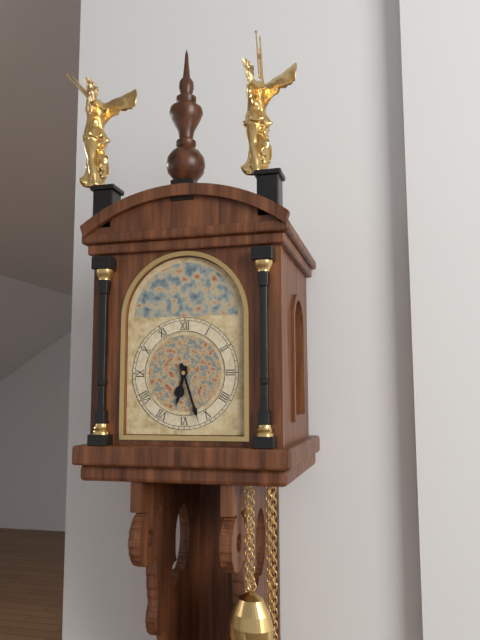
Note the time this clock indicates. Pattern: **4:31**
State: **6:27**
